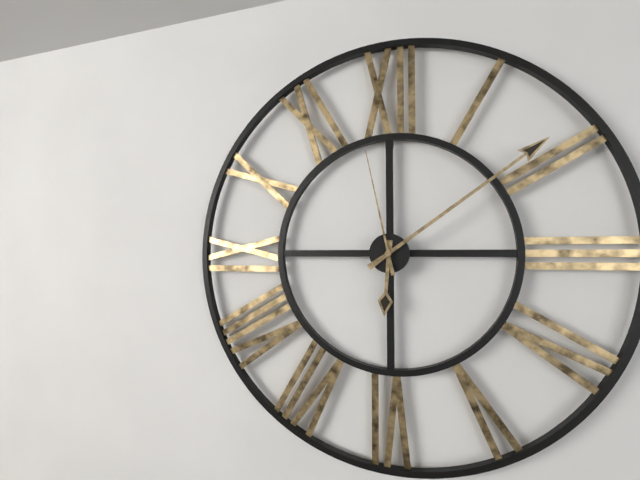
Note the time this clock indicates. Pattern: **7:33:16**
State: **6:09:58**
